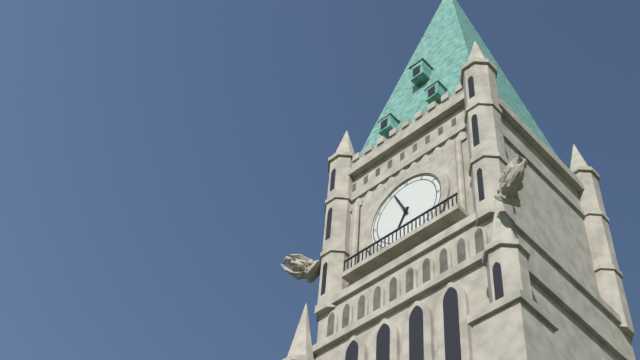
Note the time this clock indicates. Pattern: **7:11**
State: **6:56**
